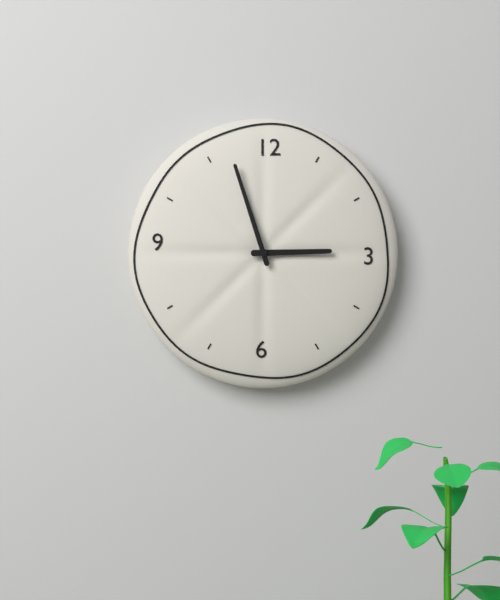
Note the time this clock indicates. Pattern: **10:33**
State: **2:57**
